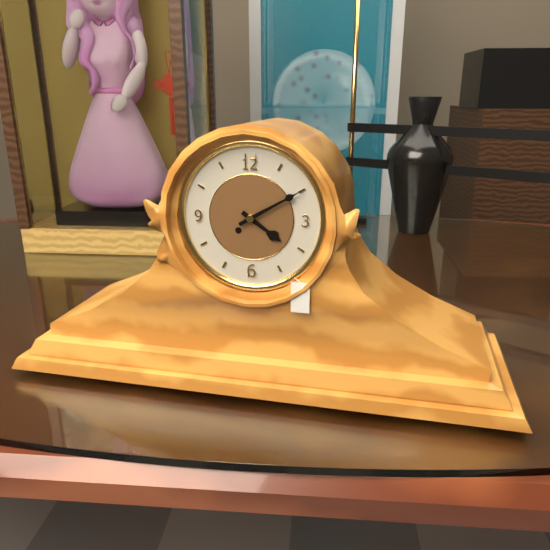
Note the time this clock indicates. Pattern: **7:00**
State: **4:10**
